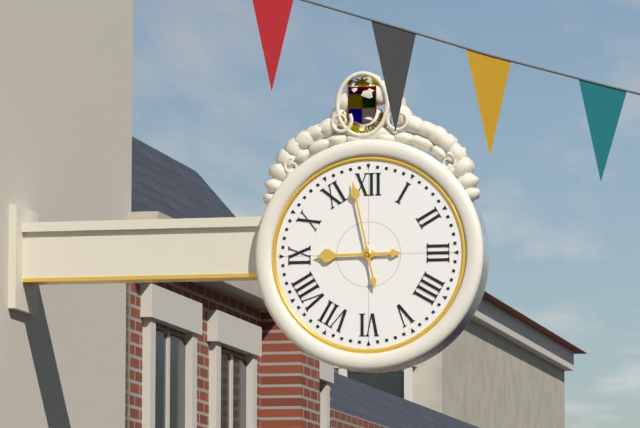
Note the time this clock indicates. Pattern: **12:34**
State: **8:58**
